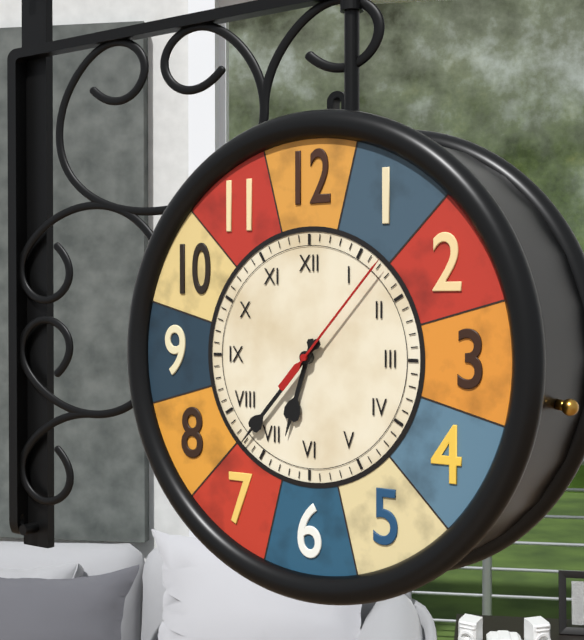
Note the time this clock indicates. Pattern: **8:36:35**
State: **6:37:07**
